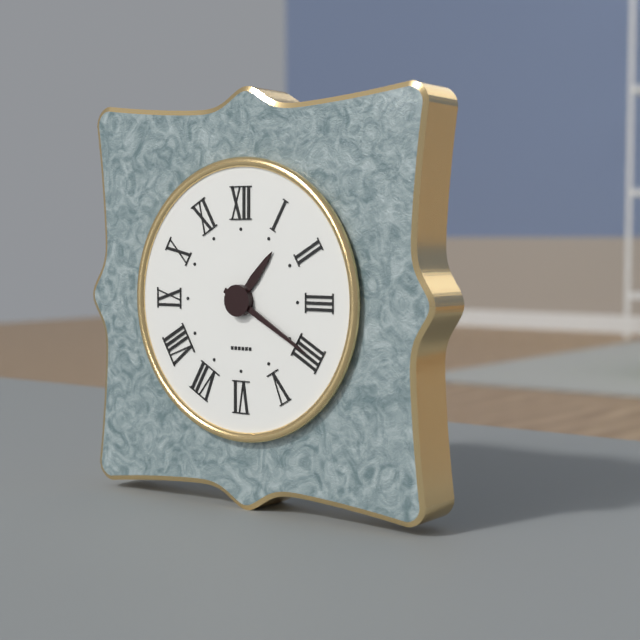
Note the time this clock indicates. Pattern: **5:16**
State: **1:20**
